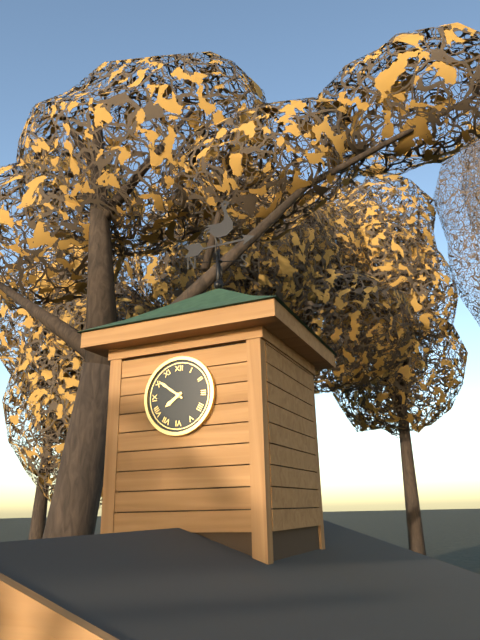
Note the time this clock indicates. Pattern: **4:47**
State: **7:51**
